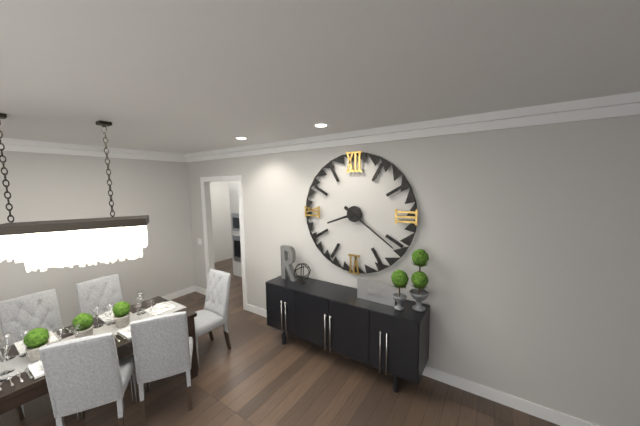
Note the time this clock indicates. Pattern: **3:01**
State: **8:21**
